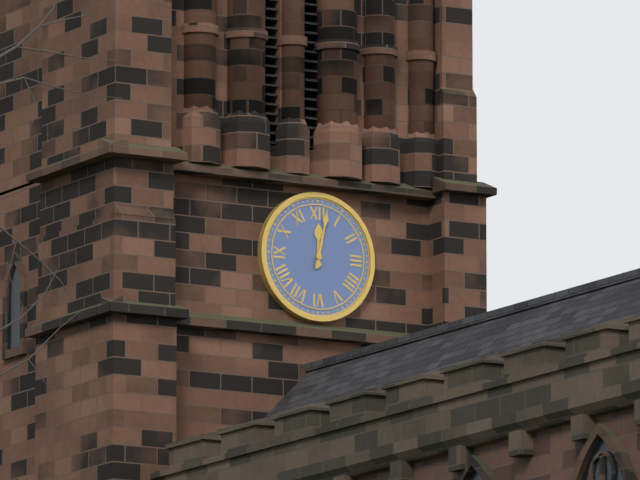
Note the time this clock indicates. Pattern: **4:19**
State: **12:02**
